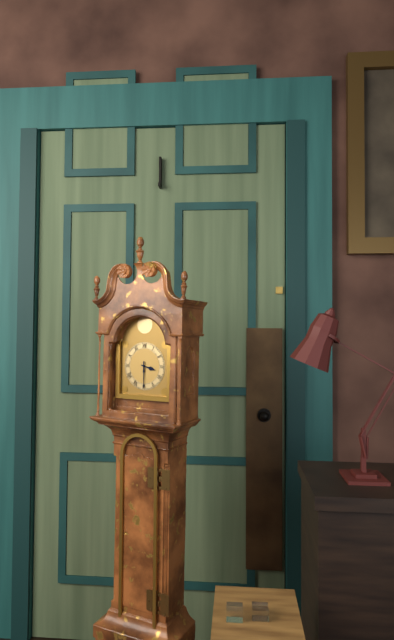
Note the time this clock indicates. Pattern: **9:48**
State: **3:30**
